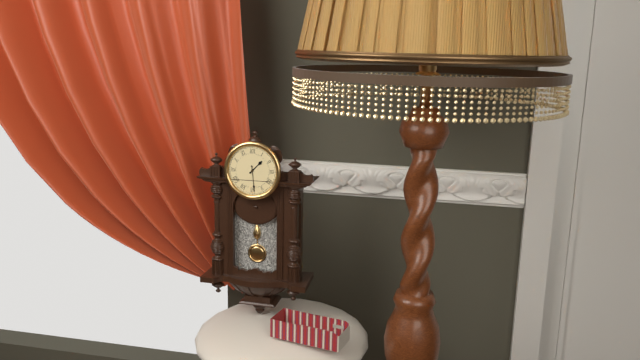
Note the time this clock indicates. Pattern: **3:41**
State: **1:29**
